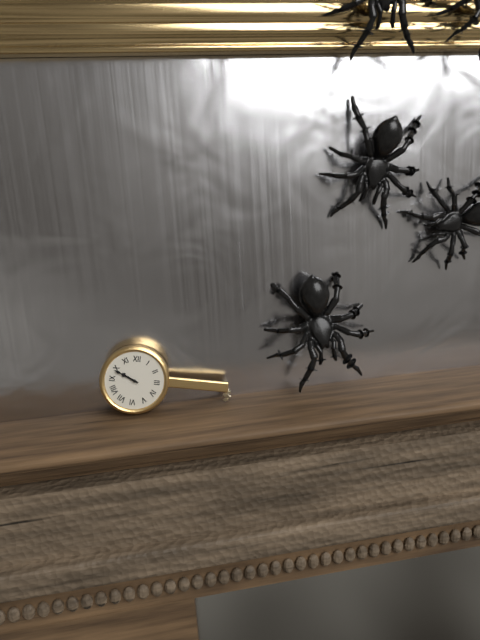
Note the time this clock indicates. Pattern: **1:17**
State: **9:49**
